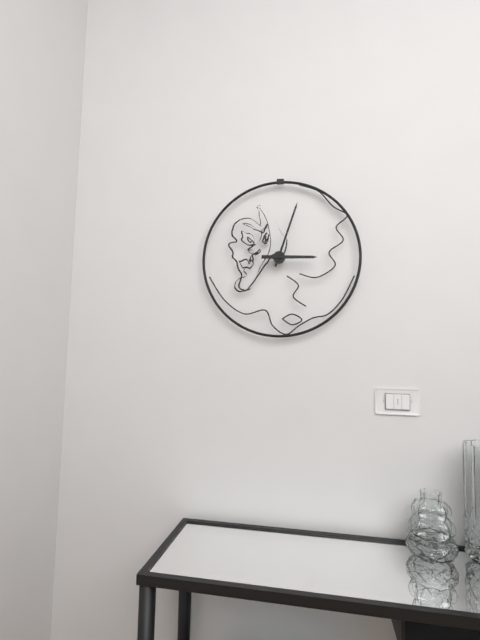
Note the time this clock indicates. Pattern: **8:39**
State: **3:03**
